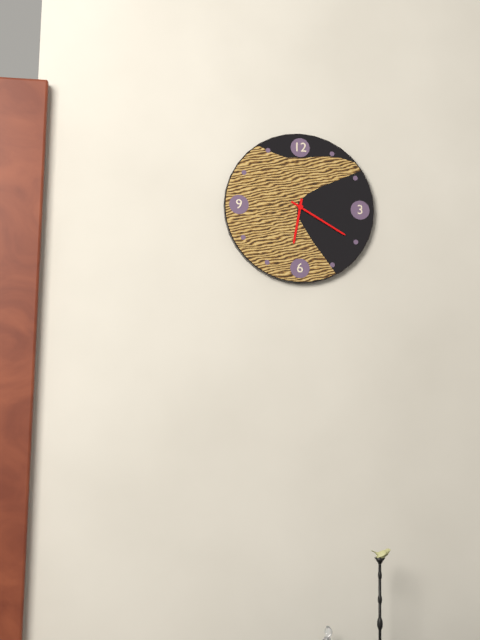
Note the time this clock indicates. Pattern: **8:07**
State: **6:20**
